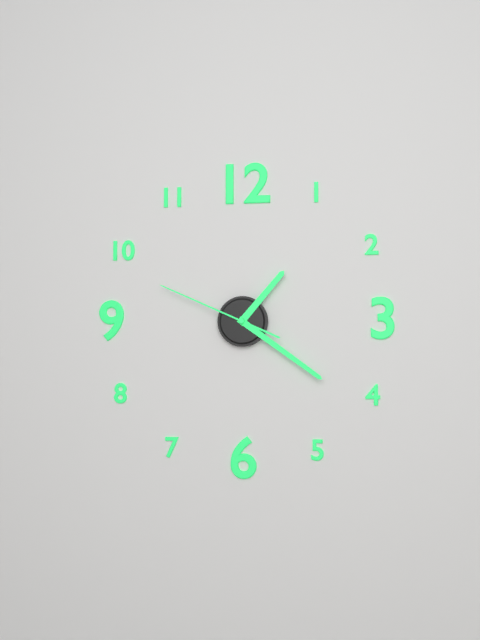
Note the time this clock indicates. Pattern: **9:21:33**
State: **1:21:49**
